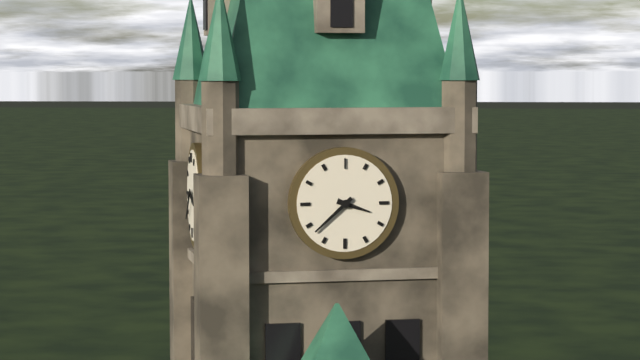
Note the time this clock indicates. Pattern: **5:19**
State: **3:38**
